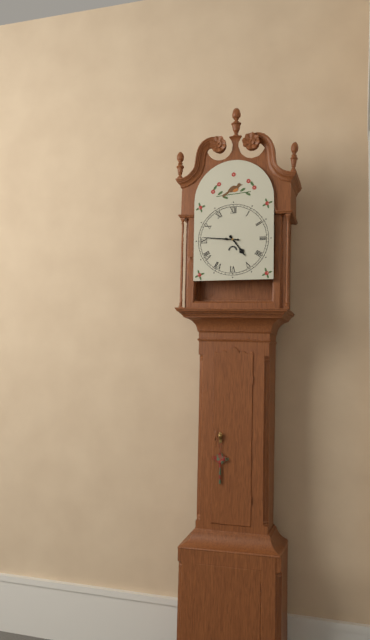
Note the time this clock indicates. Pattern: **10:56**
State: **4:46**
